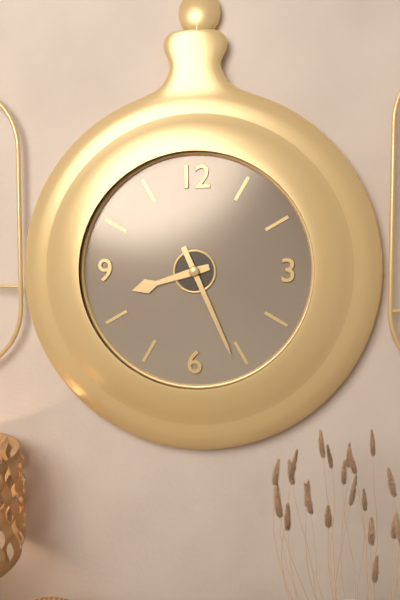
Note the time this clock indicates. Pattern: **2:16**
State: **8:26**
